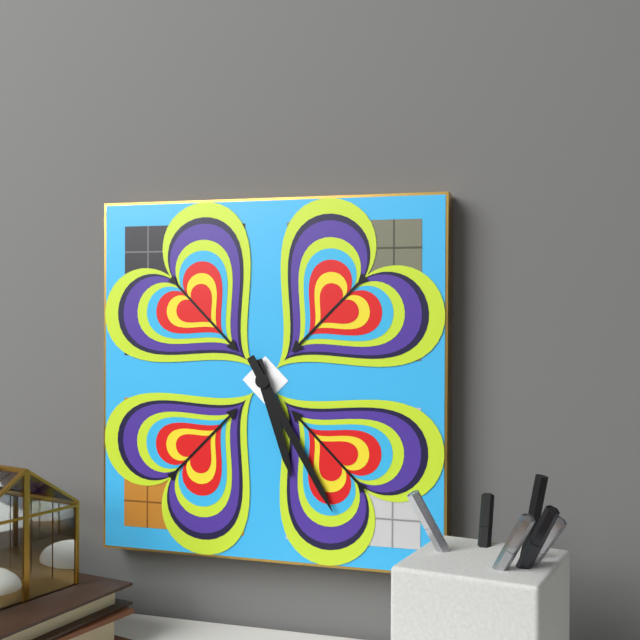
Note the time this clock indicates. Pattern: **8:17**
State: **5:25**
